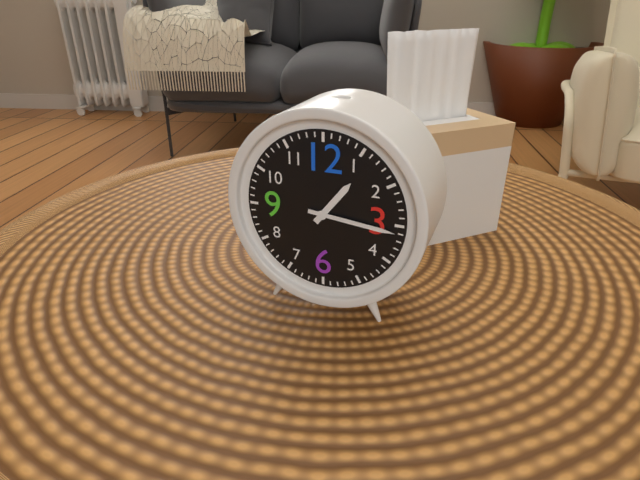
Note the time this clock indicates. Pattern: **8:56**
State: **1:16**
